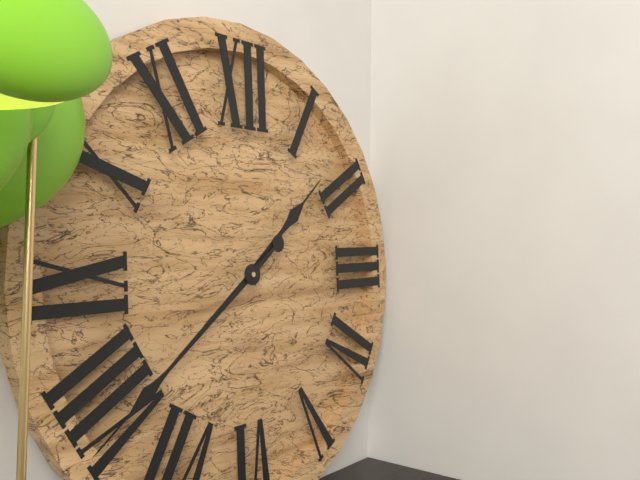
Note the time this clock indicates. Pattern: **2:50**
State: **1:39**
